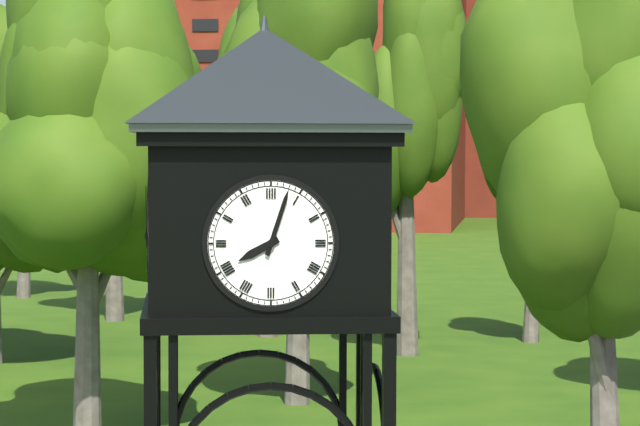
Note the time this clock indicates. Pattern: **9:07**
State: **8:03**
